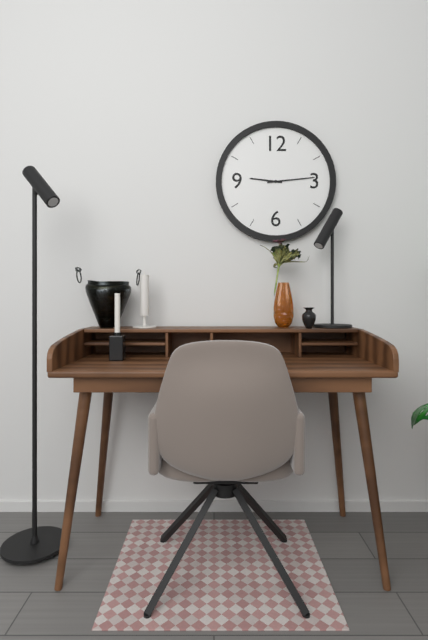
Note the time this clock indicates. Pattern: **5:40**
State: **9:14**
